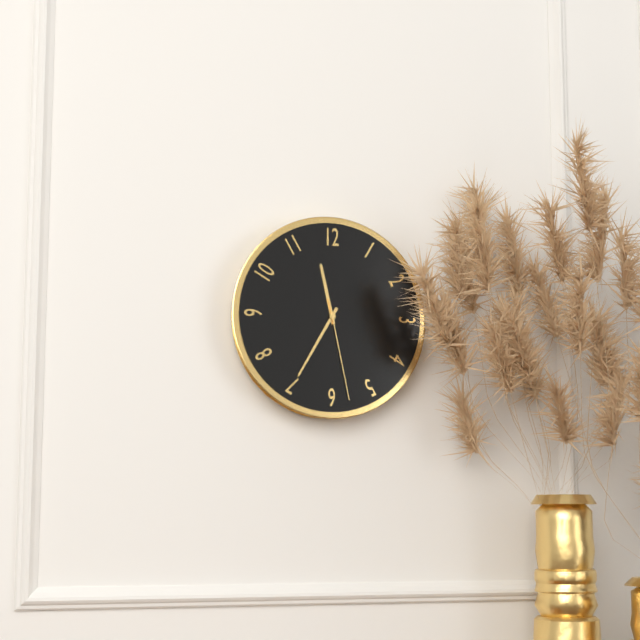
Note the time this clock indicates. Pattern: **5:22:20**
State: **11:35:28**
